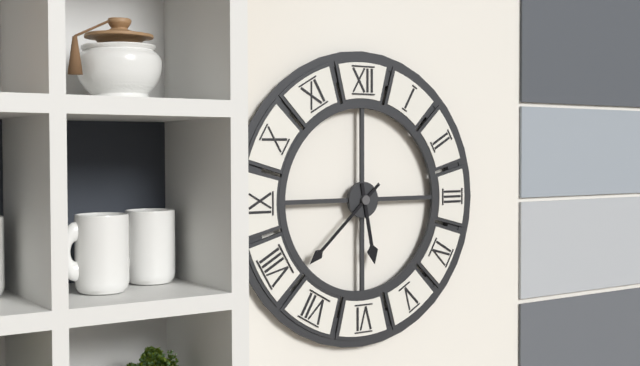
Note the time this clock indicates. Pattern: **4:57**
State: **5:38**
